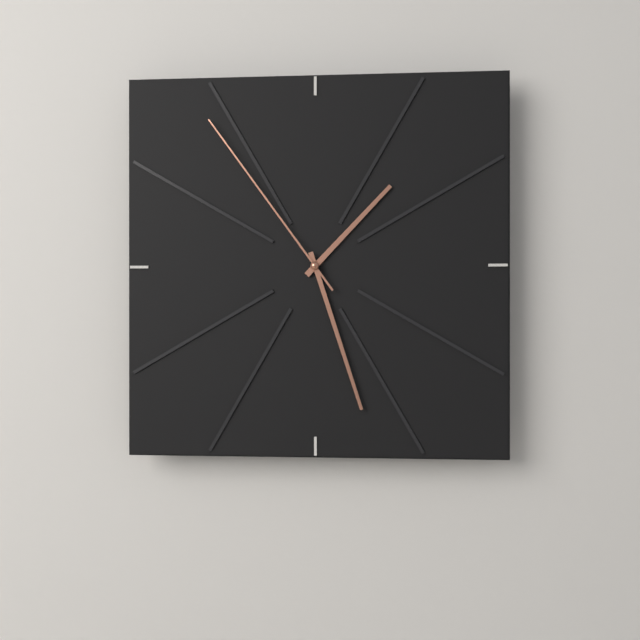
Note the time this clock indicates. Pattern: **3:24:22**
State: **1:27:54**
